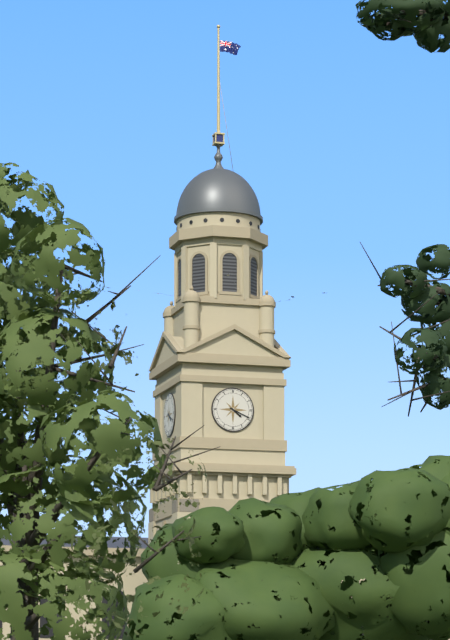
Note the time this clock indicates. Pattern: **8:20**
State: **4:19**
